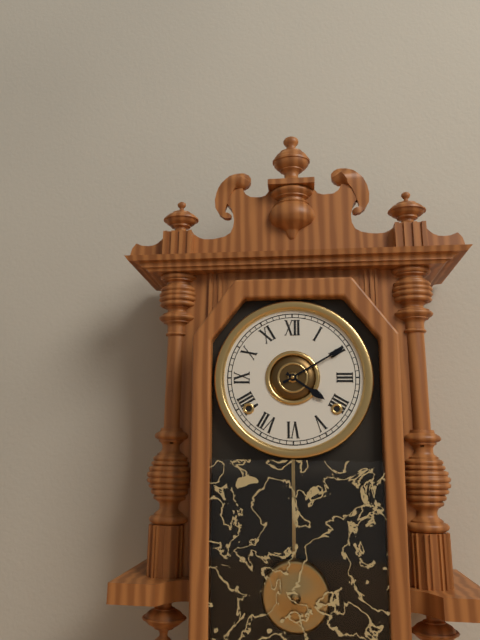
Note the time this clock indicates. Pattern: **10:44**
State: **4:10**
